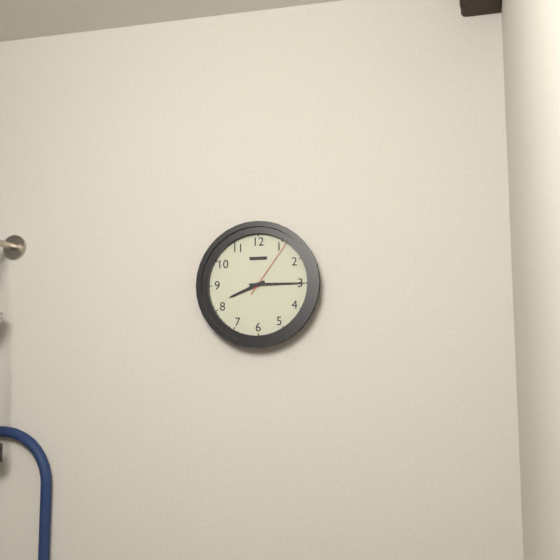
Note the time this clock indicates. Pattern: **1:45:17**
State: **8:15:06**
